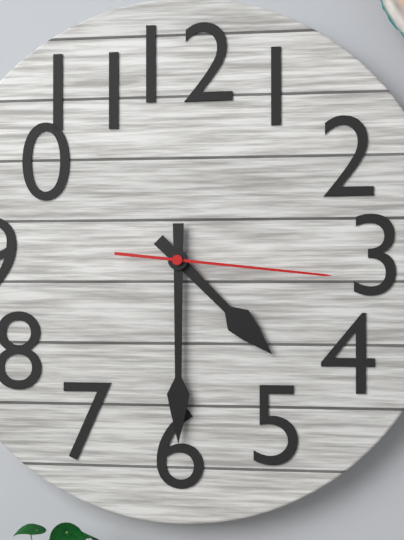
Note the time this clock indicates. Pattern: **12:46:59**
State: **4:30:16**
